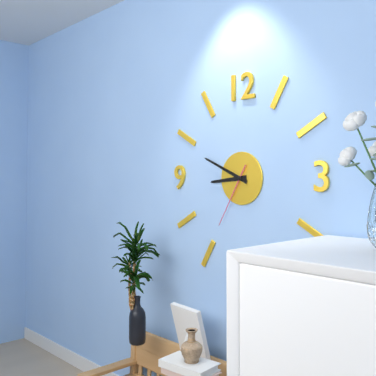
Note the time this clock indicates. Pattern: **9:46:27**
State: **8:49:35**
